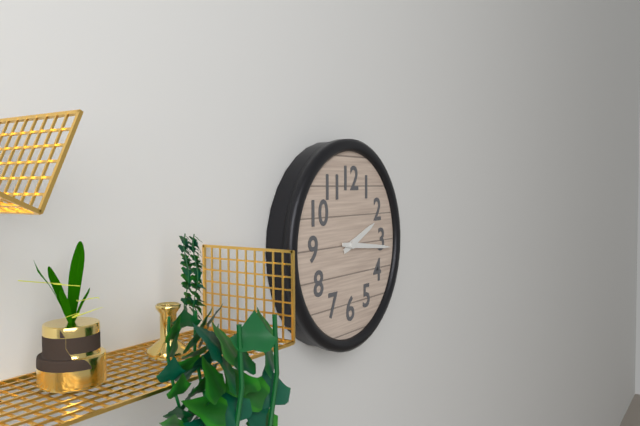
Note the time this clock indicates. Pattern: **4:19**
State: **2:16**
